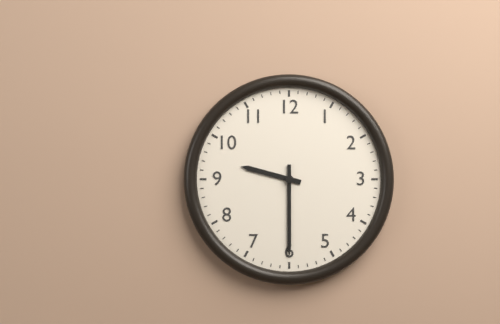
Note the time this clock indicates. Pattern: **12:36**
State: **9:30**
